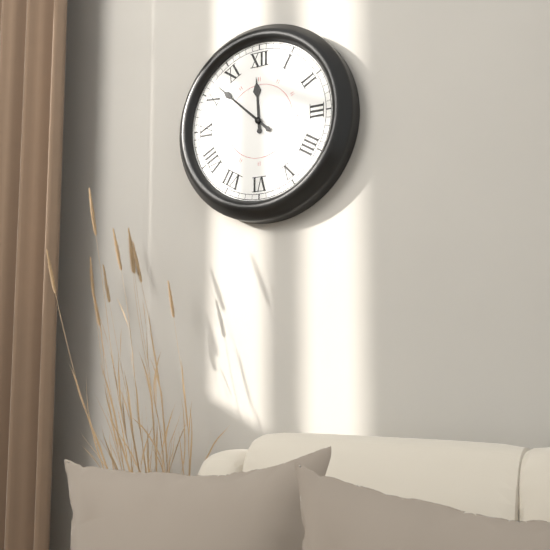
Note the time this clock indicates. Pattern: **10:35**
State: **11:52**
